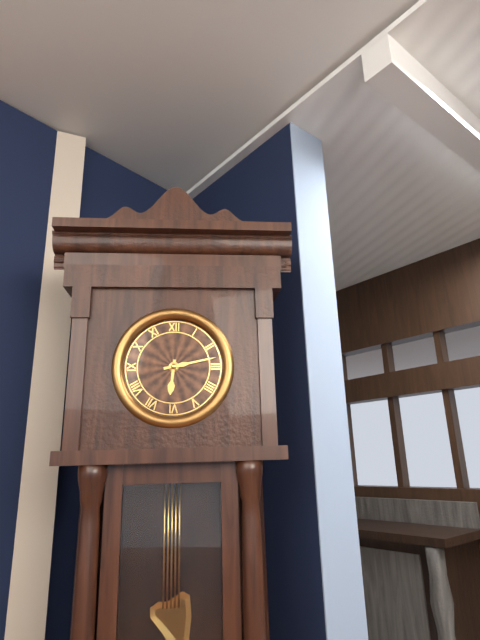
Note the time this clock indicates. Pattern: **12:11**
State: **6:13**
